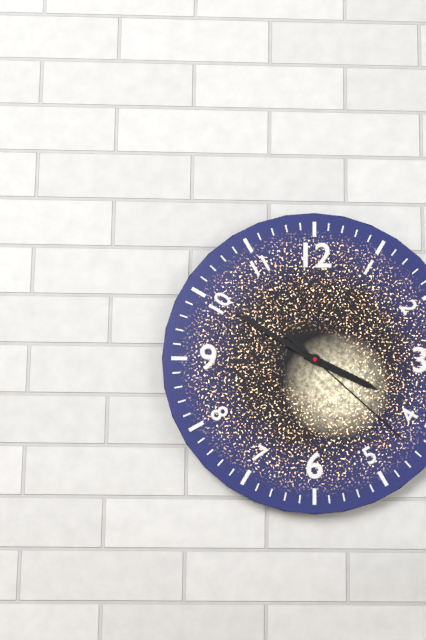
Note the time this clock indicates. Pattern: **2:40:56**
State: **3:50:22**
